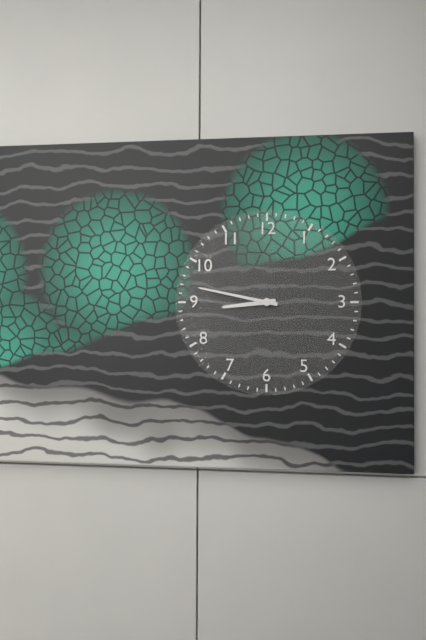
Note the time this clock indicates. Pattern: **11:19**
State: **8:47**
